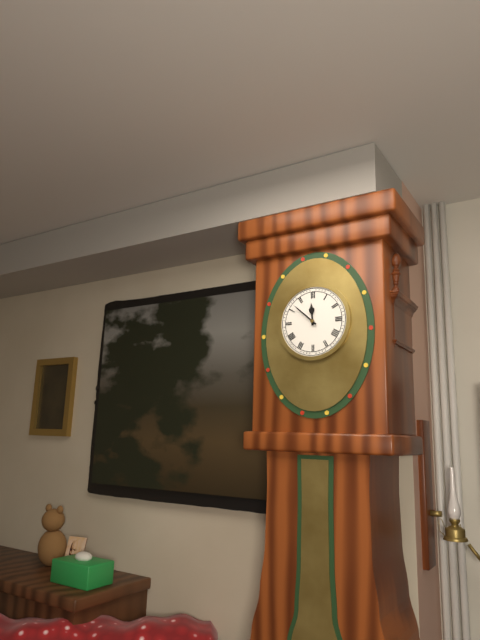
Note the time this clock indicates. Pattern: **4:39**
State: **11:52**
